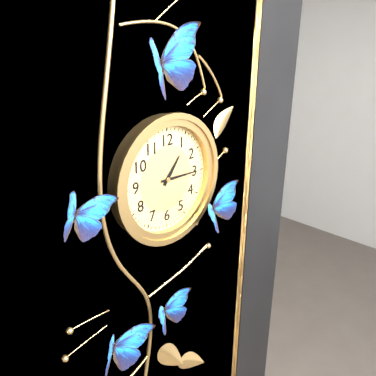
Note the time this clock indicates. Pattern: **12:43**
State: **1:15**
